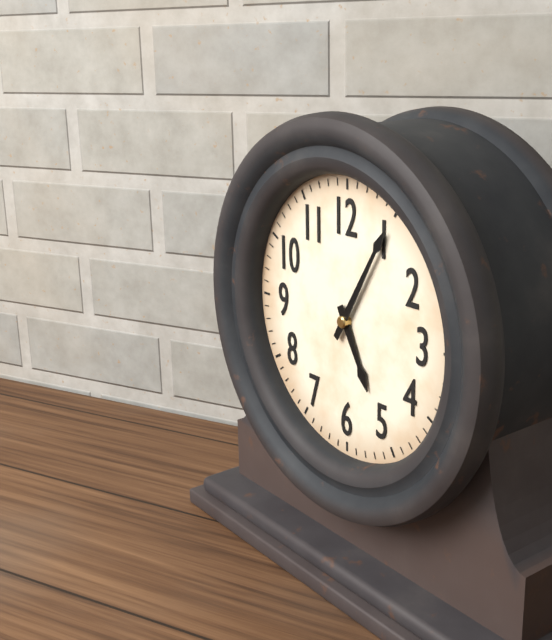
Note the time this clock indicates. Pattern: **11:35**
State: **5:05**
